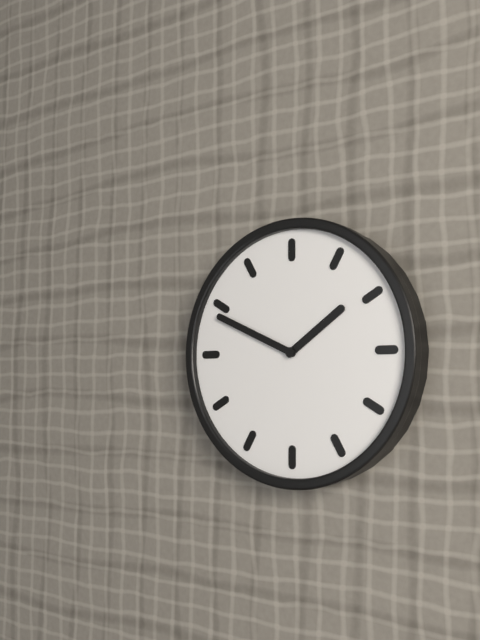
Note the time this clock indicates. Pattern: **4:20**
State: **1:49**
